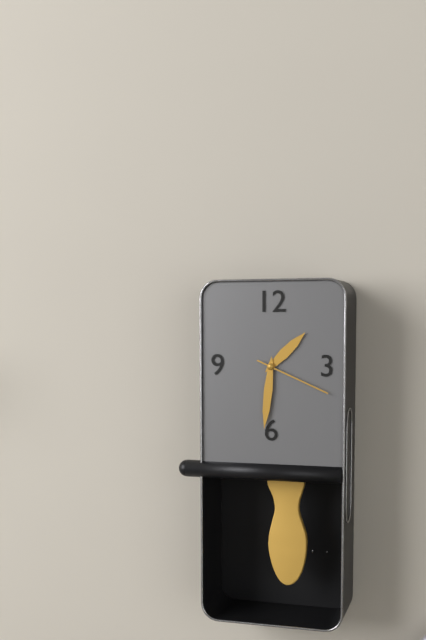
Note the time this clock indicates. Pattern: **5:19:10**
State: **1:31:19**
